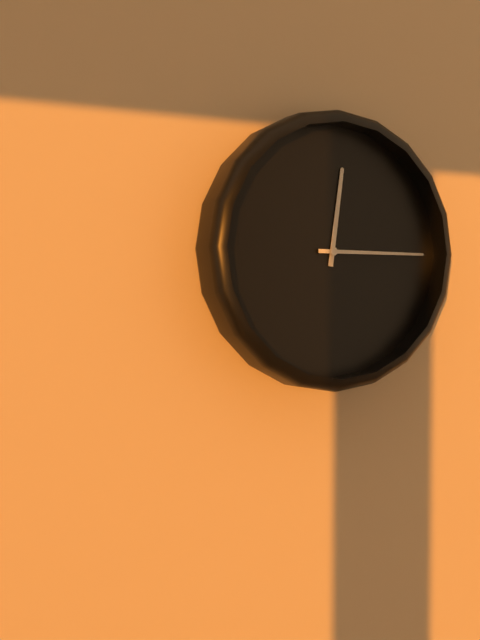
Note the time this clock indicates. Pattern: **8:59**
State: **12:15**
